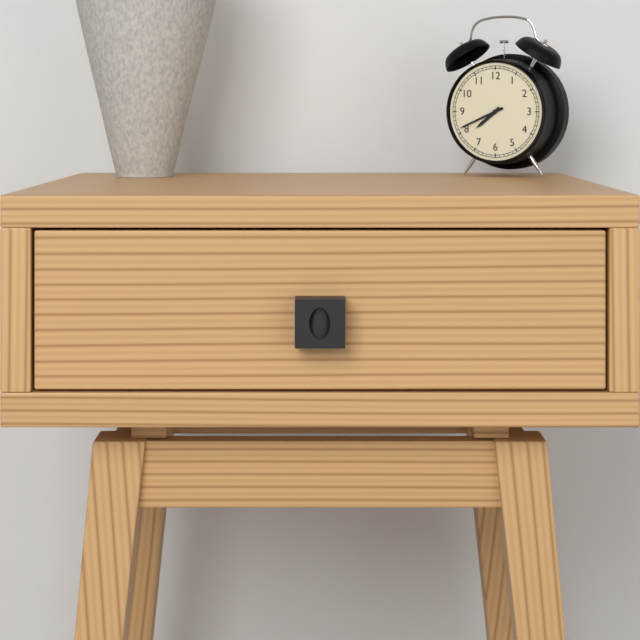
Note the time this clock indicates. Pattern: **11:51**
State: **7:41**
